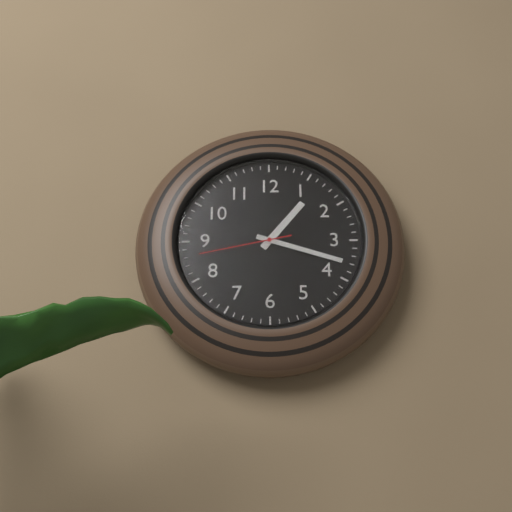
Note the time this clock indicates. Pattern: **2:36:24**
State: **1:18:43**
